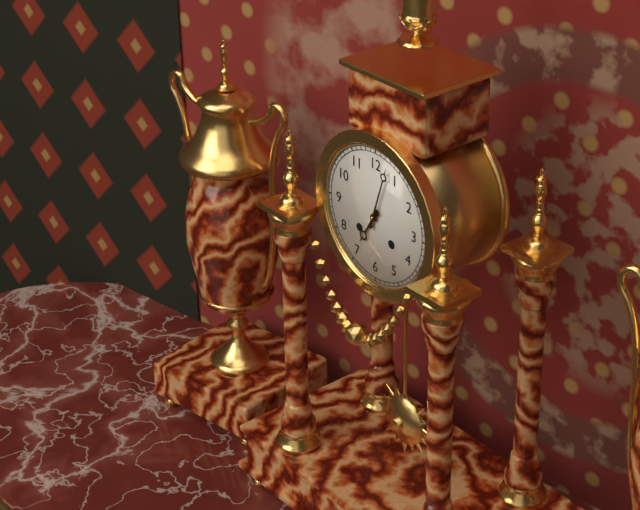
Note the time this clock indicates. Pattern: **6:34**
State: **7:03**
